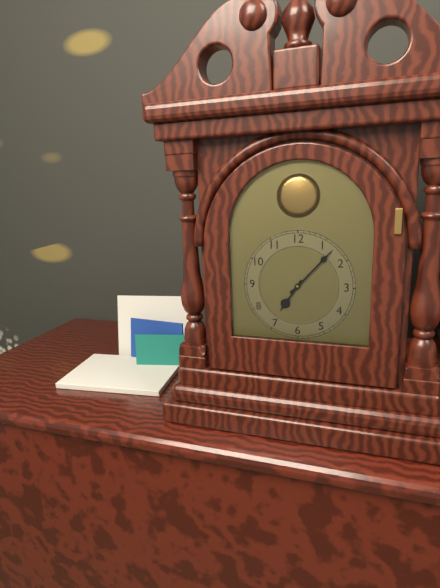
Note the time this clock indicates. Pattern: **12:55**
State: **7:07**
